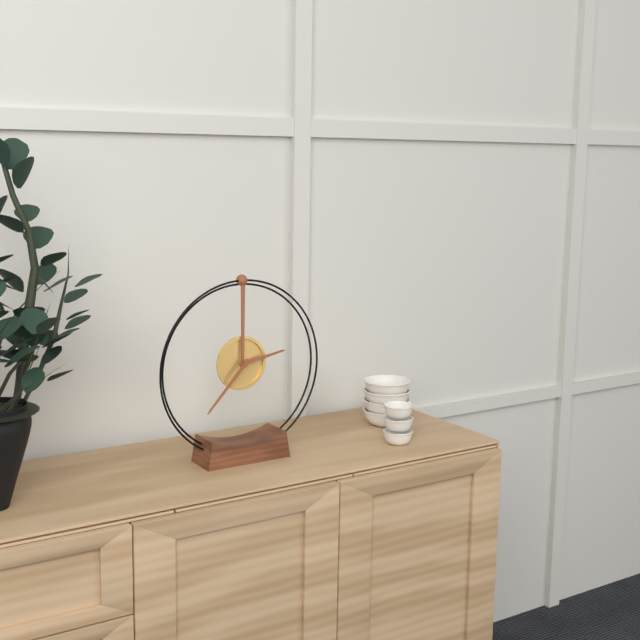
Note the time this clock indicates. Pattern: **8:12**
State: **2:37**
